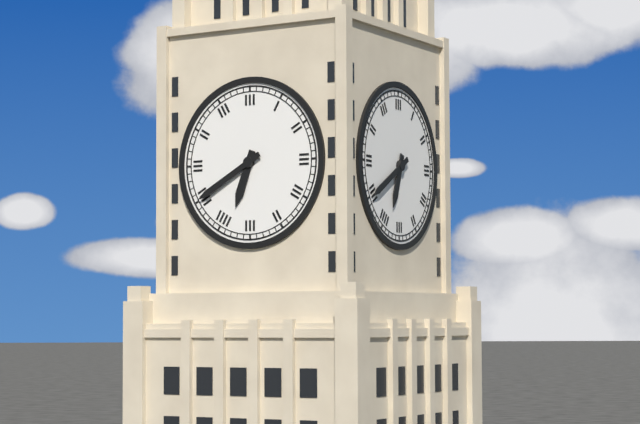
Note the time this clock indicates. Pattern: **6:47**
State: **6:40**
